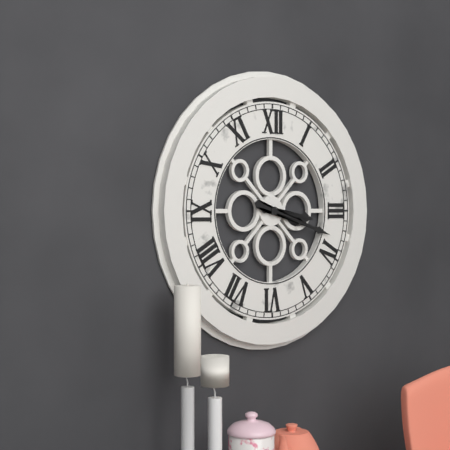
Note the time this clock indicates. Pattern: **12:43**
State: **3:18**
